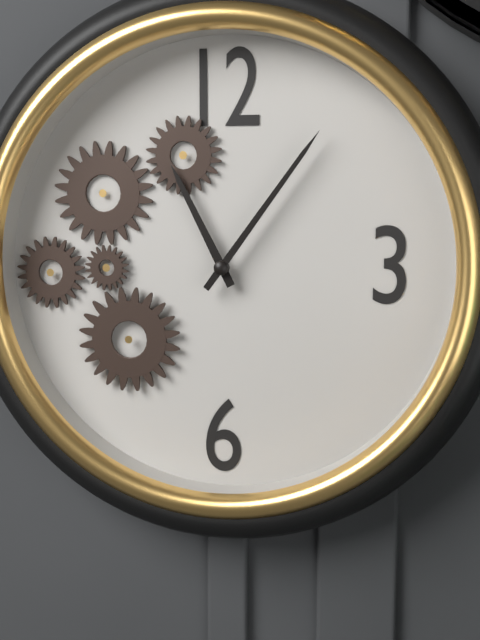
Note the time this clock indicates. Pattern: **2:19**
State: **11:06**
